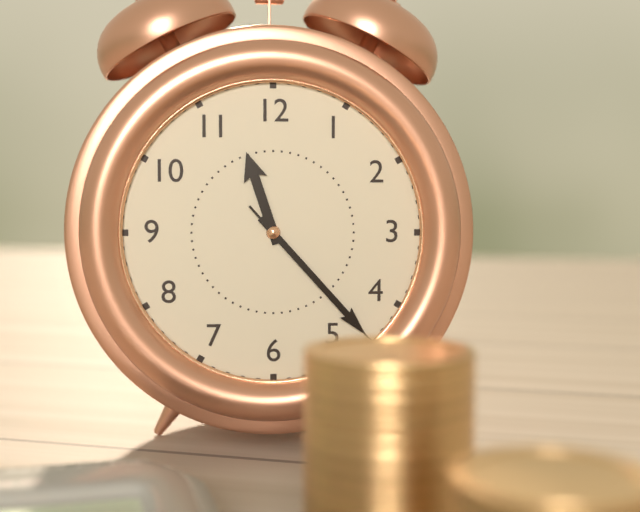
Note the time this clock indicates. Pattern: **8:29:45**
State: **11:23:23**
